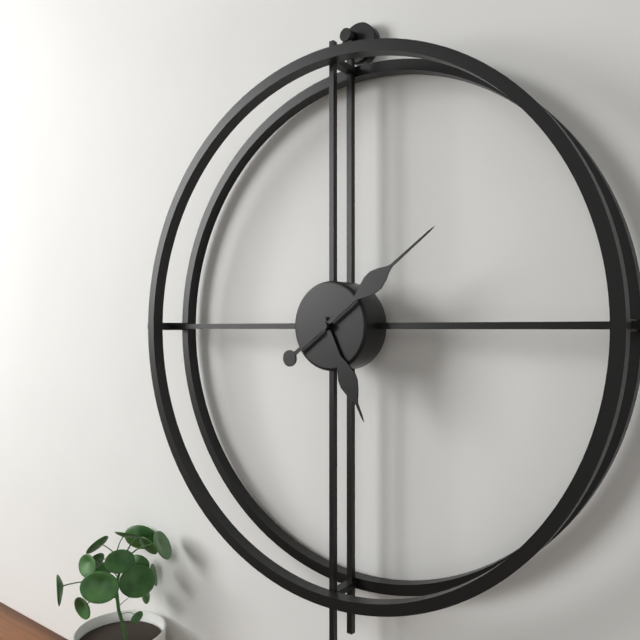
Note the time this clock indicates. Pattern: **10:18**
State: **5:09**
